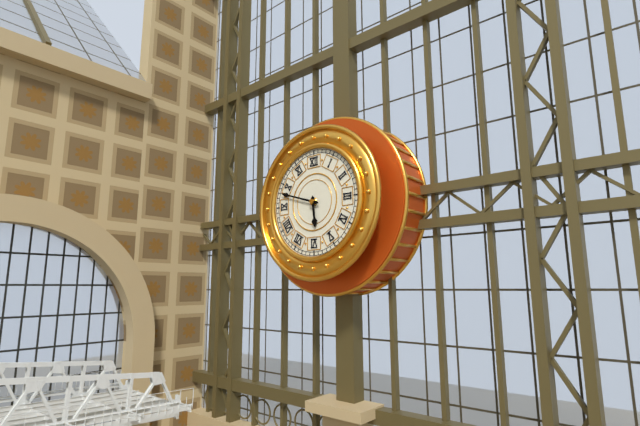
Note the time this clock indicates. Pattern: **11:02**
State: **5:48**
